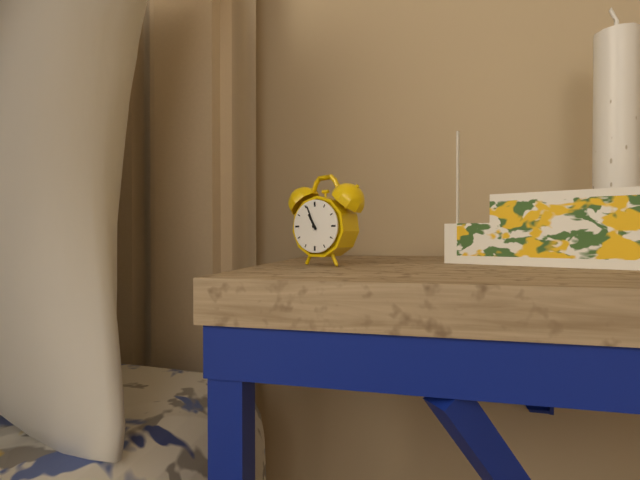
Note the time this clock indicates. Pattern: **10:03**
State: **10:56**
